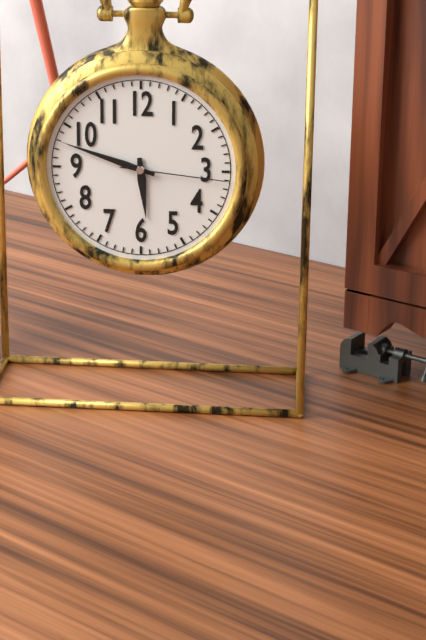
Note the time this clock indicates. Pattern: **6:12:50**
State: **5:48:16**
